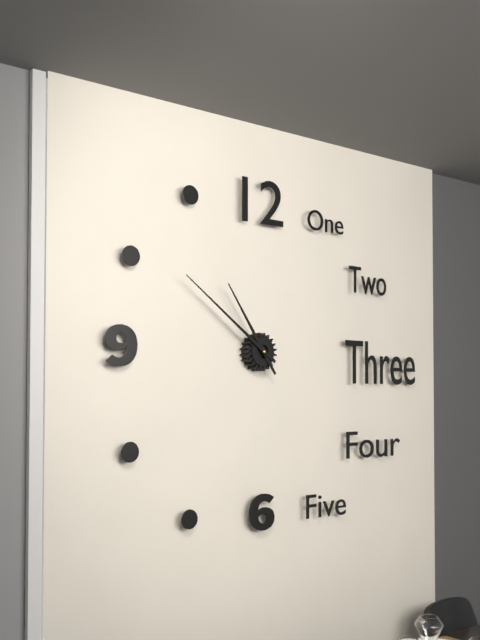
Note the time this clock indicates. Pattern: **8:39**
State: **10:51**
